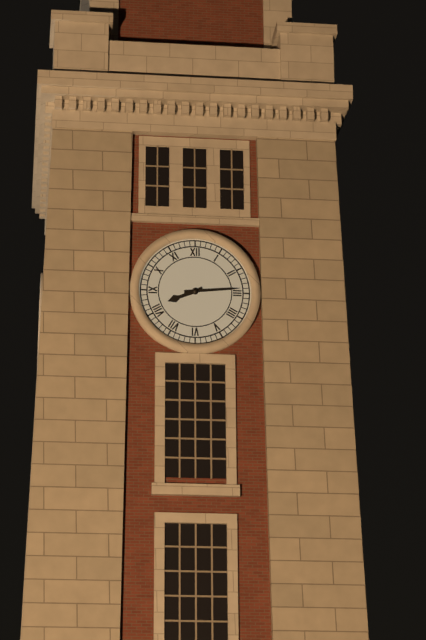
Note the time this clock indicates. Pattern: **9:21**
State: **8:14**
